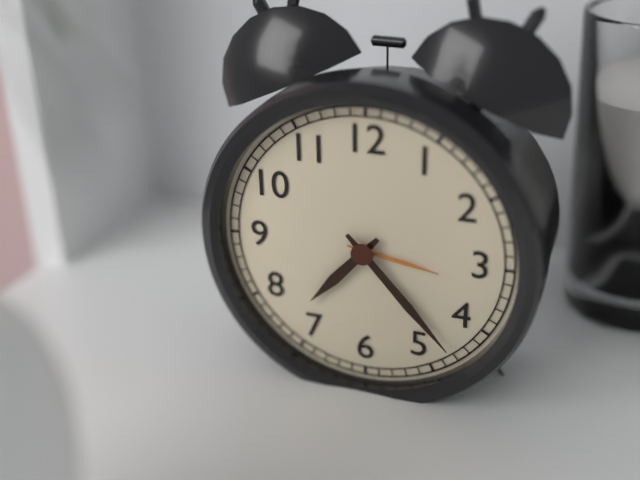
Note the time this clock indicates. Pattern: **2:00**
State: **7:23**
